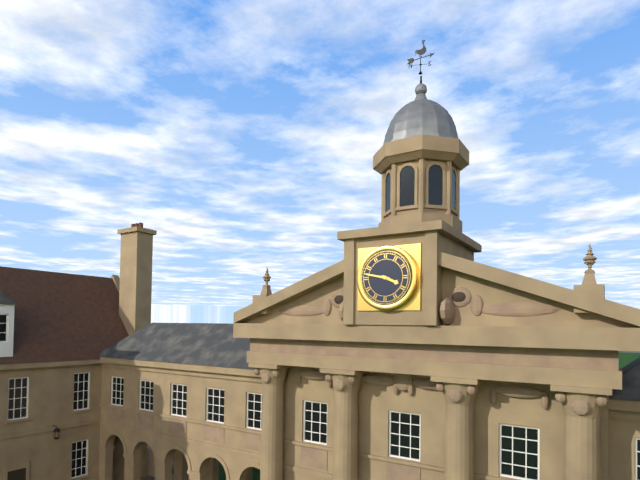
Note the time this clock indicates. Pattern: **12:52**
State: **3:47**
